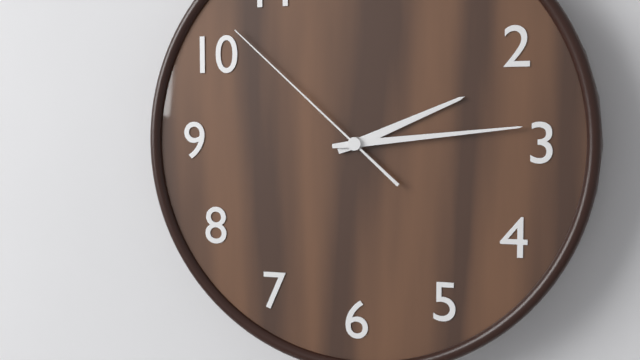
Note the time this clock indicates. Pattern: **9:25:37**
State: **2:14:52**
